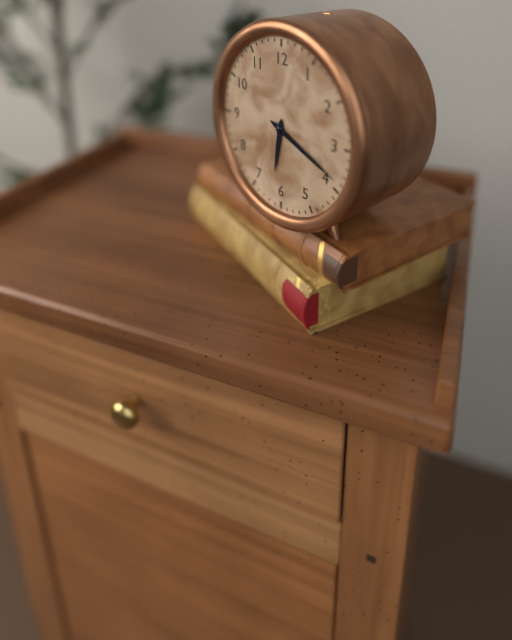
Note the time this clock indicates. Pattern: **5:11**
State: **6:19**
